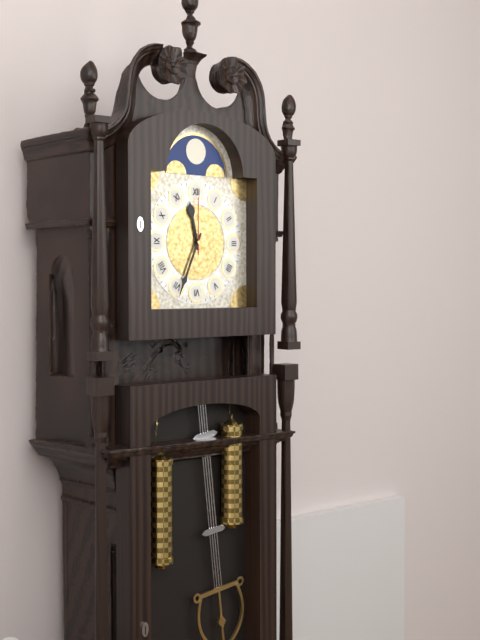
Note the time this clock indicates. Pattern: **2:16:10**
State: **11:34:00**
